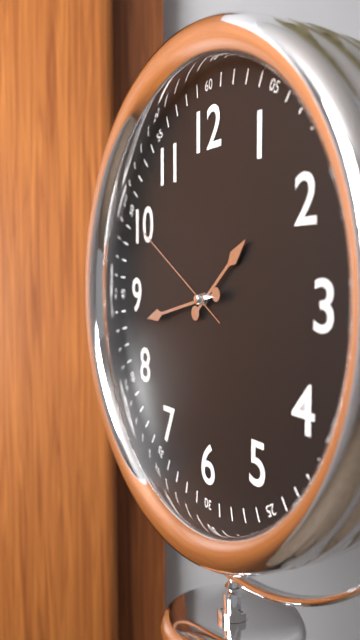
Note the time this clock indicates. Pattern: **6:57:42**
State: **1:43:50**
